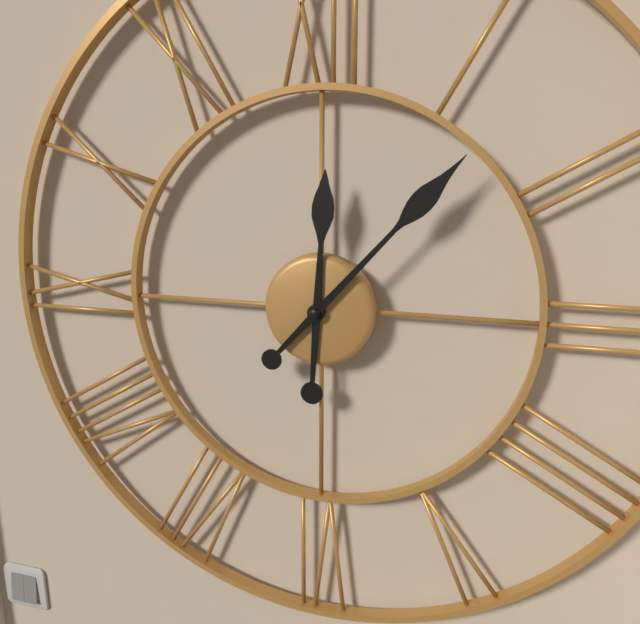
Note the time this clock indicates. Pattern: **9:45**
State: **12:07**
